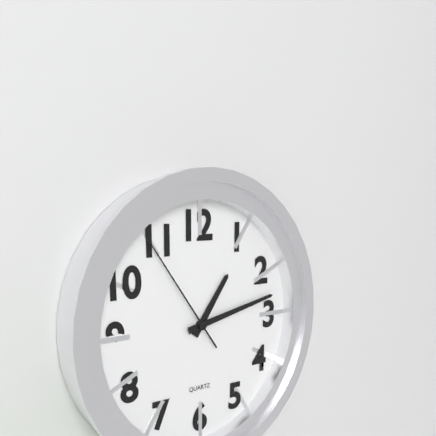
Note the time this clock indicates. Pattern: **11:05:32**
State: **1:13:54**
